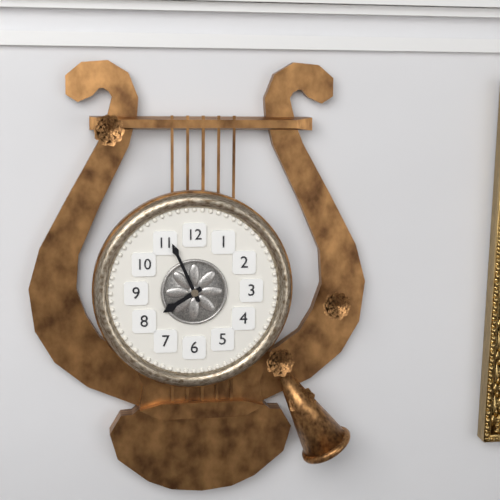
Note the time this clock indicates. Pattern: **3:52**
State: **7:56**
